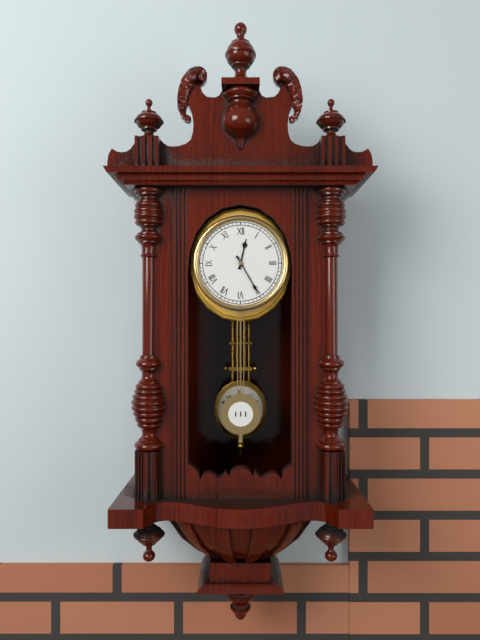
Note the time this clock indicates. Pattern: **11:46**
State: **12:25**
